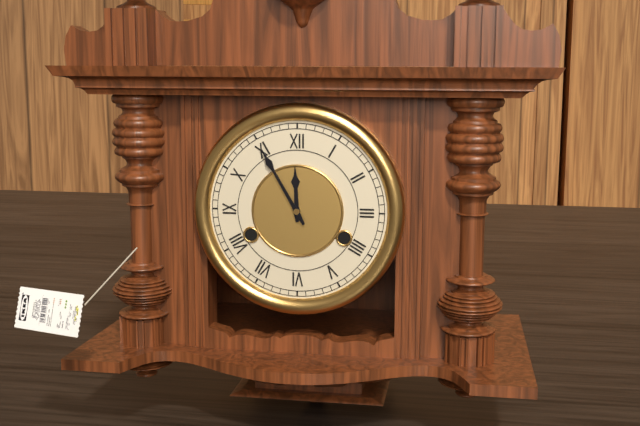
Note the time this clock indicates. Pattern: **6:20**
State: **11:55**
